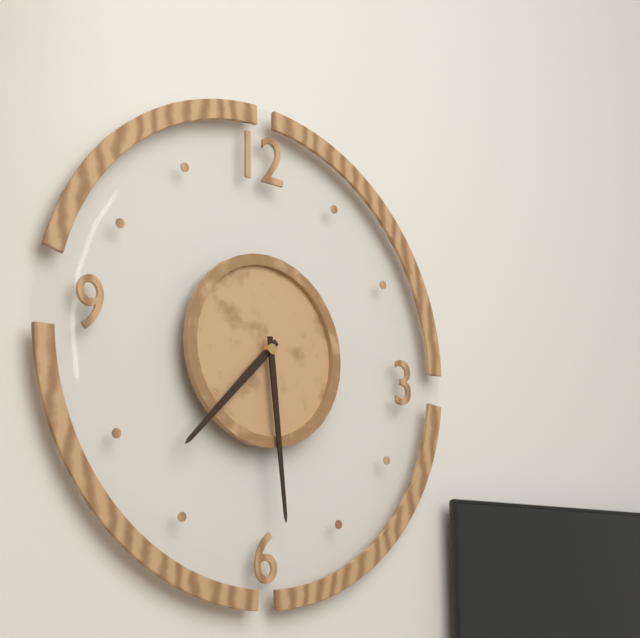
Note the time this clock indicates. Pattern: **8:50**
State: **7:29**
